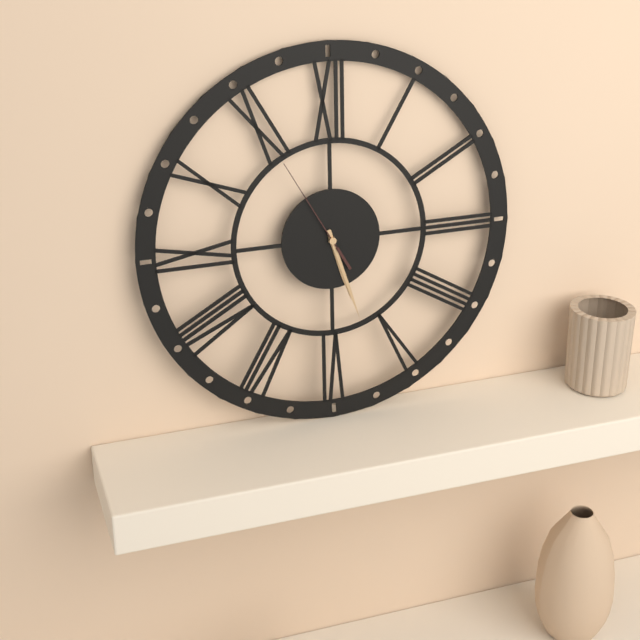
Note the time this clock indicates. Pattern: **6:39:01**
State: **5:27:55**
